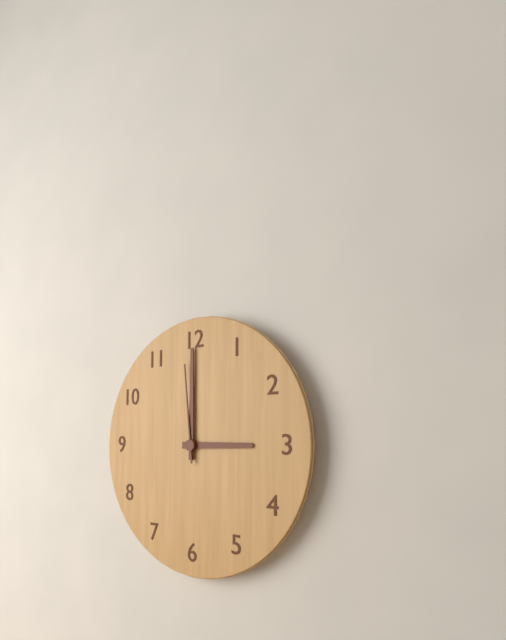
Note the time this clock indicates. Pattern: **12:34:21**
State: **3:00:59**
